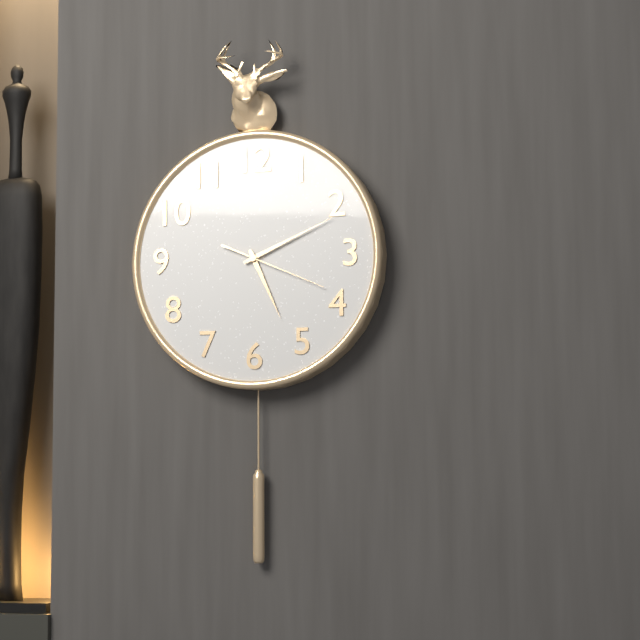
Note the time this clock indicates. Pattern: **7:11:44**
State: **5:11:19**
